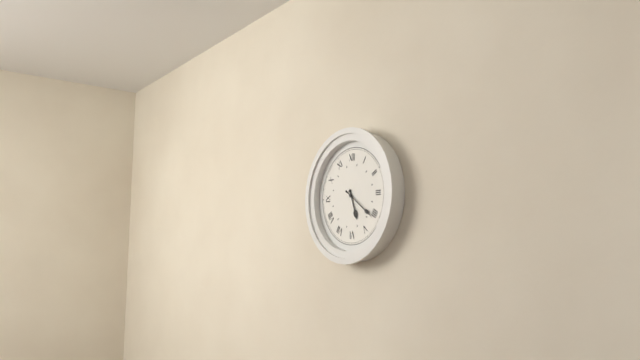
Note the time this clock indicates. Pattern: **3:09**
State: **5:21**
